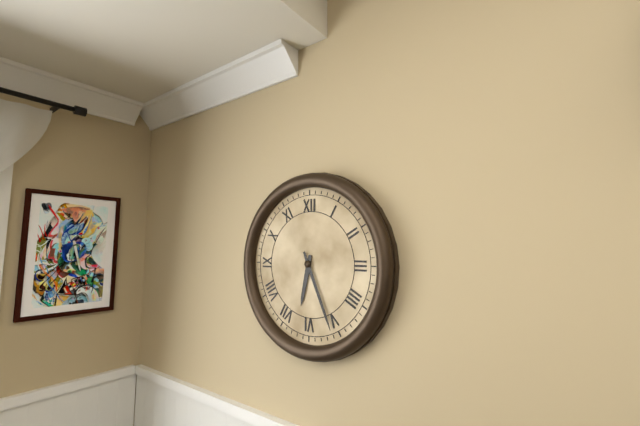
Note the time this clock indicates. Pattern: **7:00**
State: **6:26**
